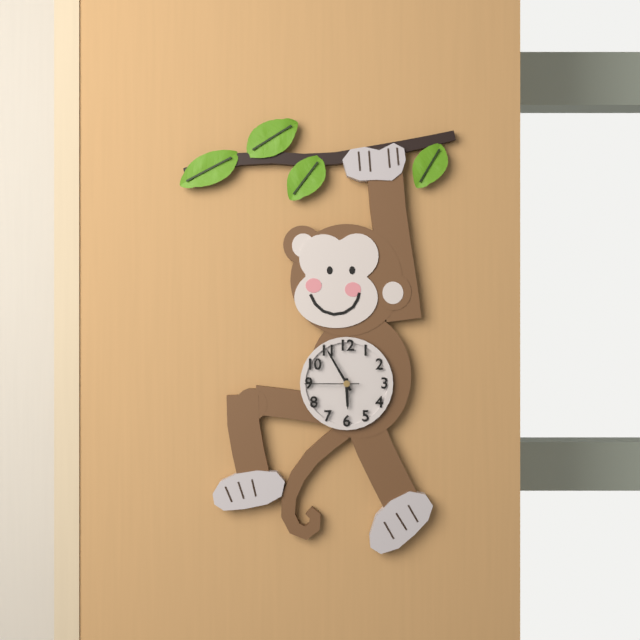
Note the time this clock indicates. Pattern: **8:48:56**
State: **5:55:45**
